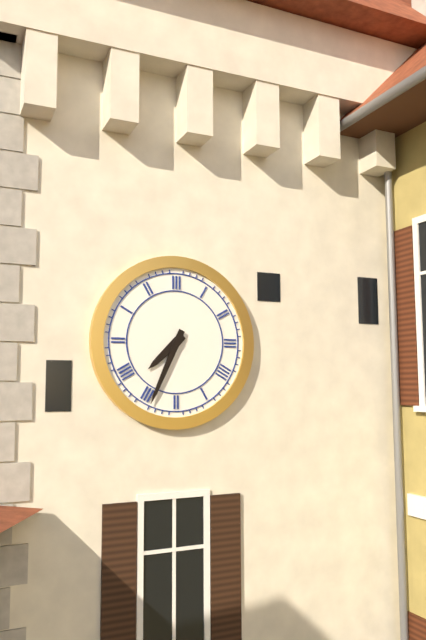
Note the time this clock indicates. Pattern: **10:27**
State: **7:34**
